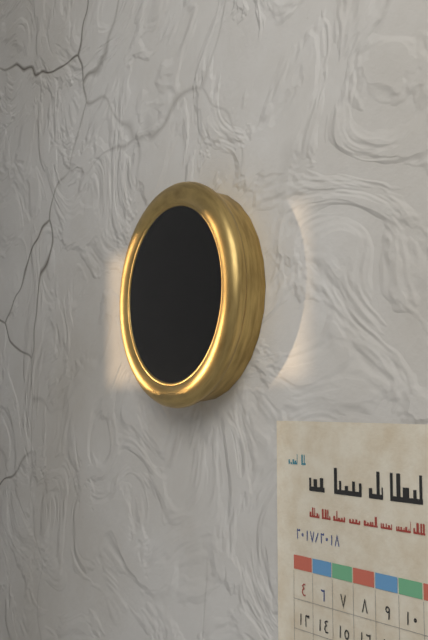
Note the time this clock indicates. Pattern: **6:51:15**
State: **12:09:03**
